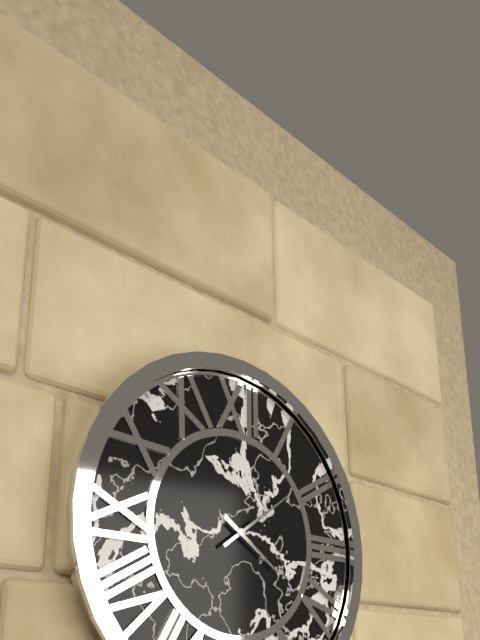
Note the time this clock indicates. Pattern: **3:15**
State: **4:09**
